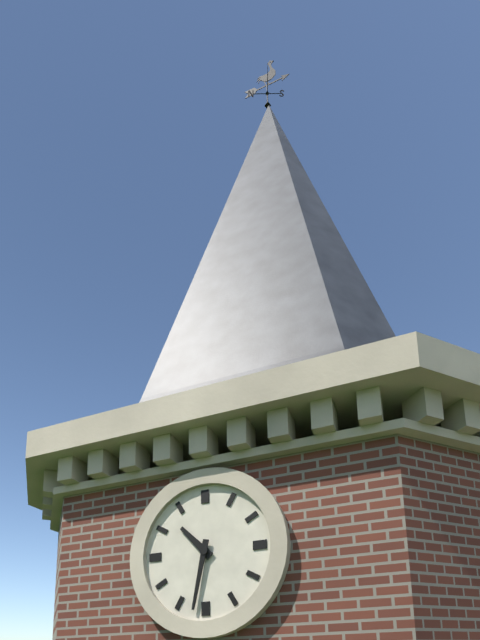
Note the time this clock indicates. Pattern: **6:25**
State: **10:32**
